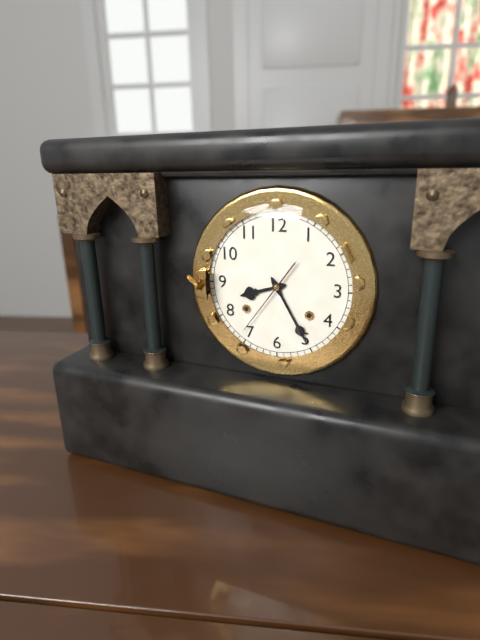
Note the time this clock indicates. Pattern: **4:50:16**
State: **8:25:36**
